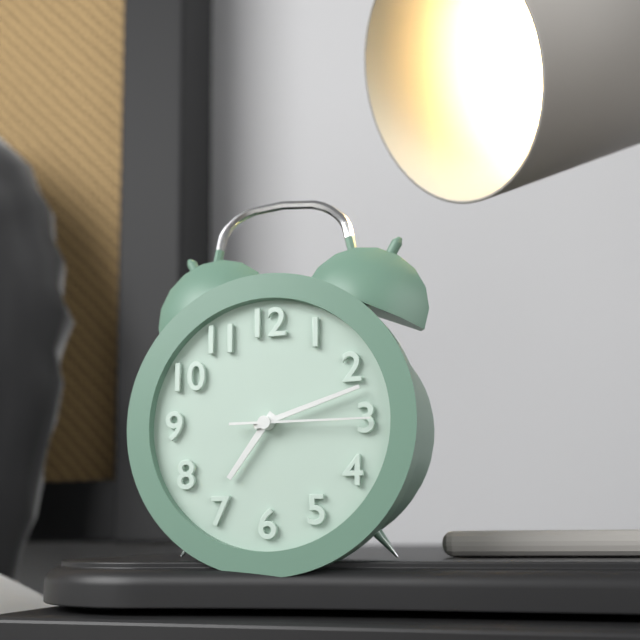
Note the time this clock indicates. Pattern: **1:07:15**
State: **7:12:15**
